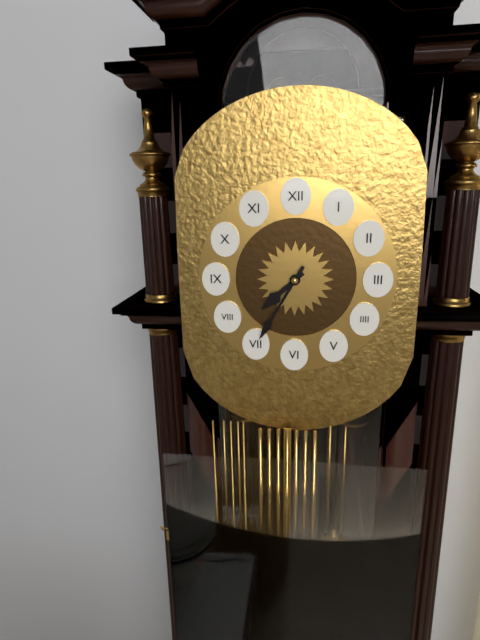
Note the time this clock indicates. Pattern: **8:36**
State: **7:35**
